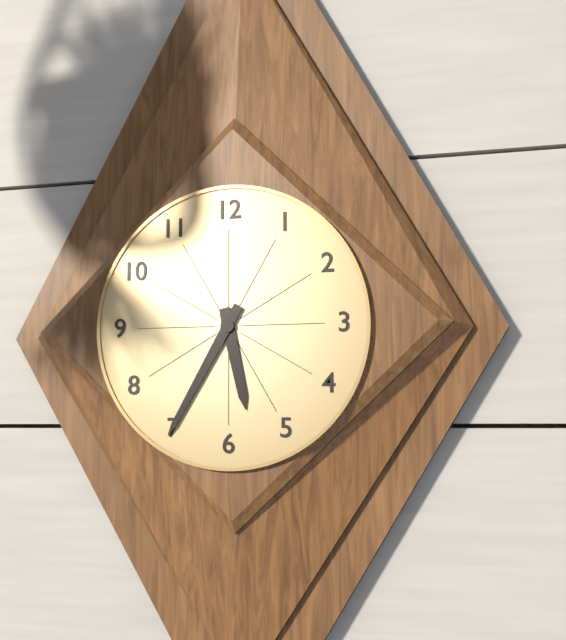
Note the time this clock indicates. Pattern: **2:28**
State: **5:35**
